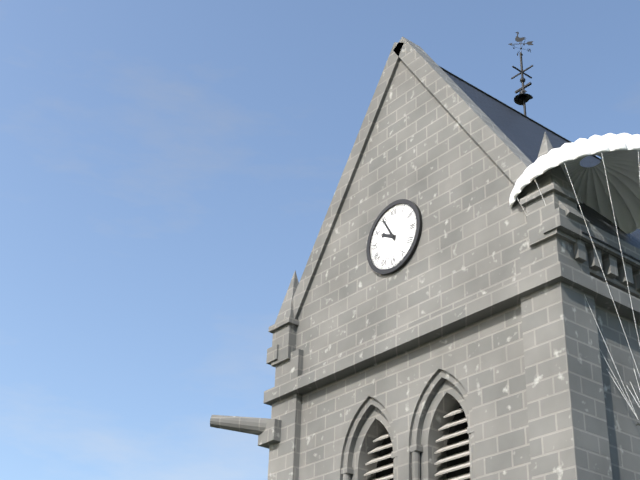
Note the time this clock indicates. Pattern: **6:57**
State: **9:55**
